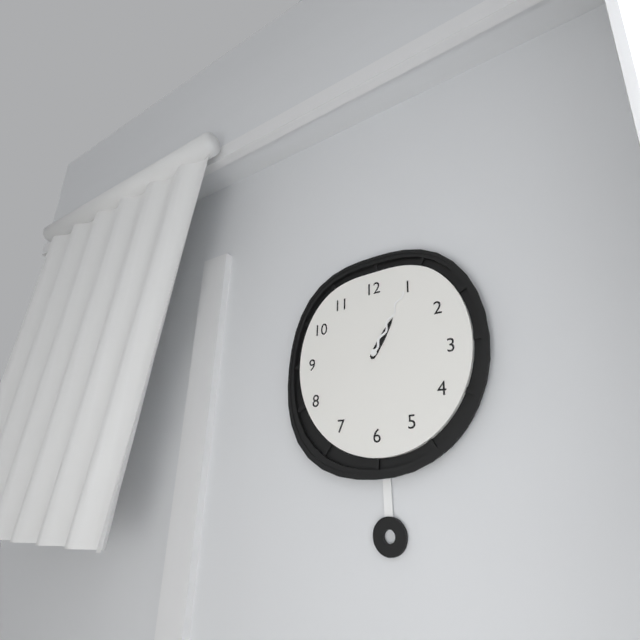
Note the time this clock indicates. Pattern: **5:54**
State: **1:05**
